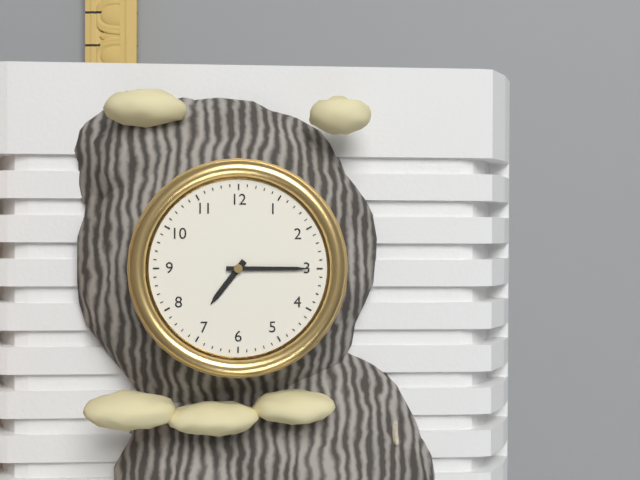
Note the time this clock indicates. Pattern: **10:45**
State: **7:15**
